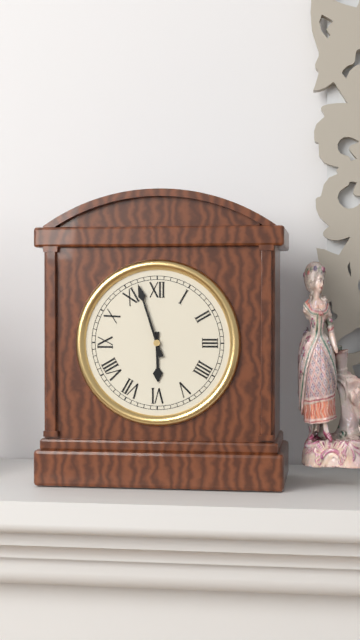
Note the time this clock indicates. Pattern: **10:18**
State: **5:57**
